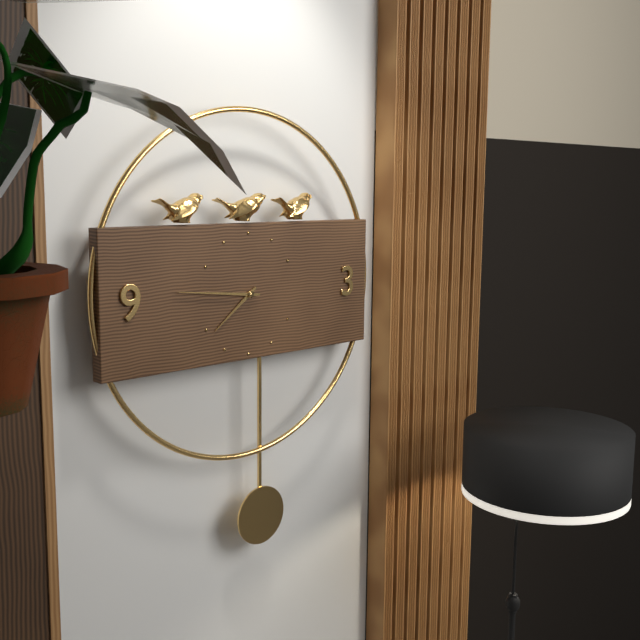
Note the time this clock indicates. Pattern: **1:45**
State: **7:46**
